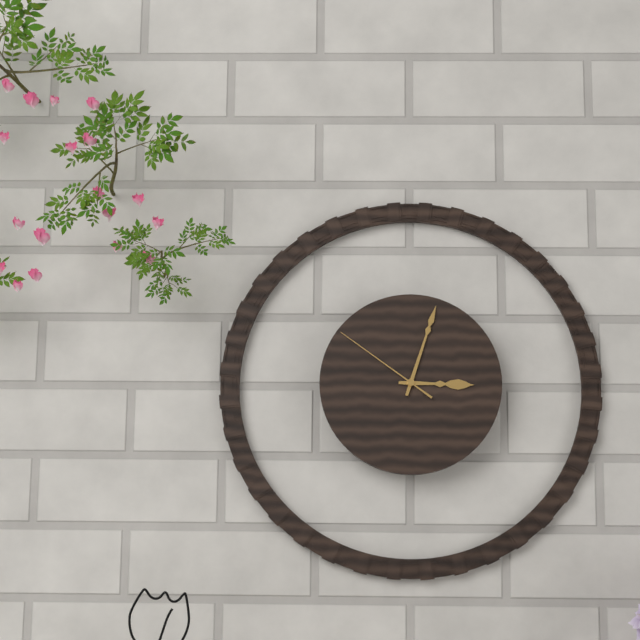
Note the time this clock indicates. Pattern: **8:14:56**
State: **3:03:51**
